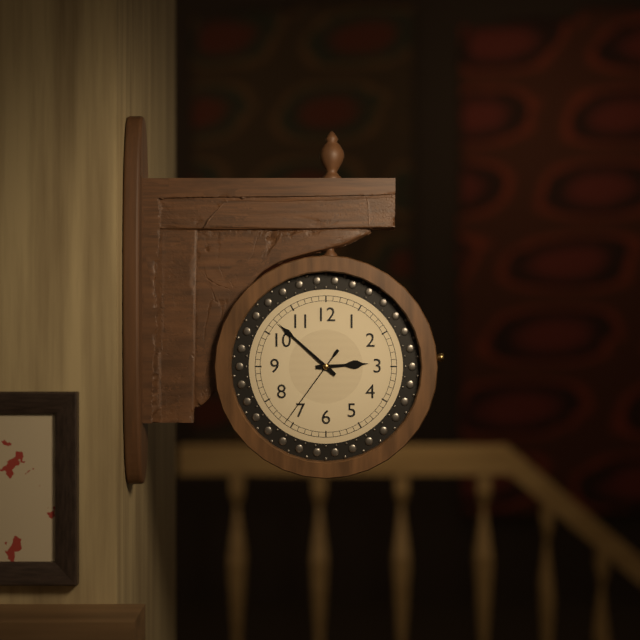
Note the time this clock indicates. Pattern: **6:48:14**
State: **2:52:36**
